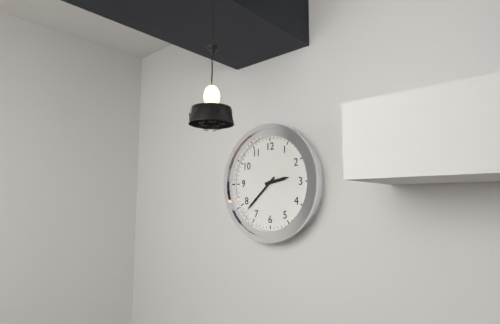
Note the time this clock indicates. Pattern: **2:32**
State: **2:38**
